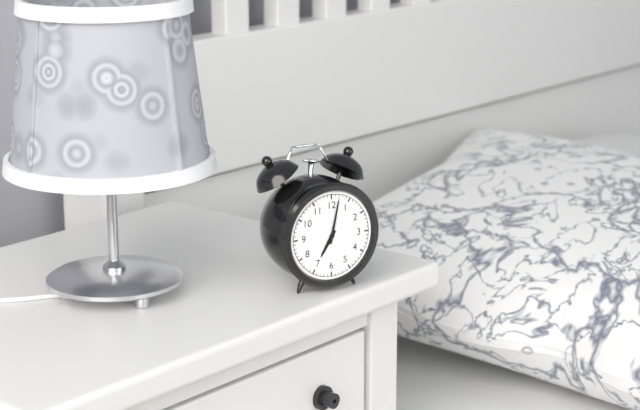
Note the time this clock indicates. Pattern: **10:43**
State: **7:02**
